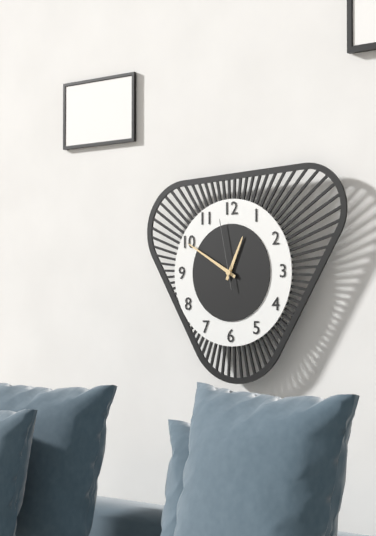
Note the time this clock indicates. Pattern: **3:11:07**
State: **12:50:58**
